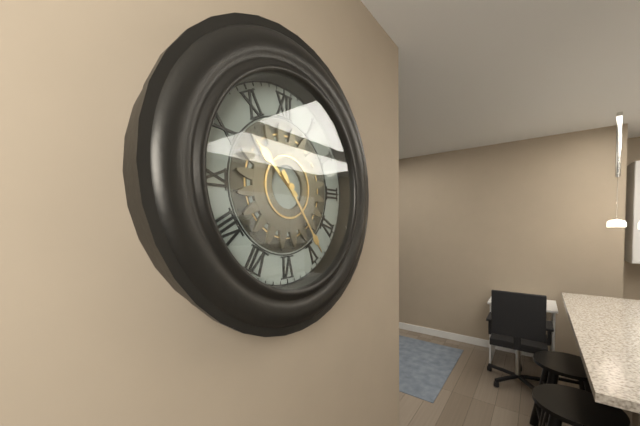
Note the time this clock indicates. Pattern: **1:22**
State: **10:24**
